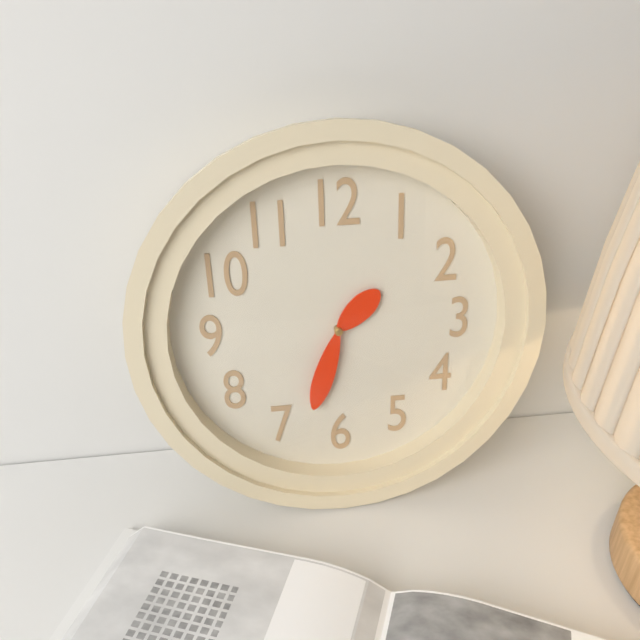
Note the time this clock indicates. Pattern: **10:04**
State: **1:33**
